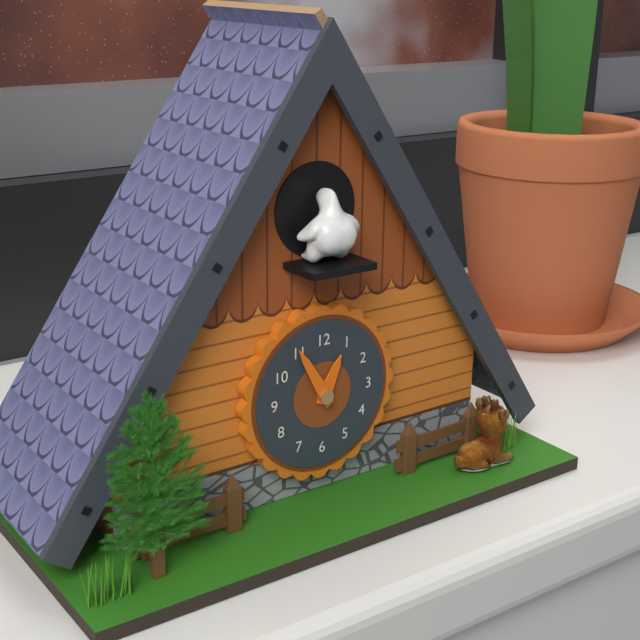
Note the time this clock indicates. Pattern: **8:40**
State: **12:55**
